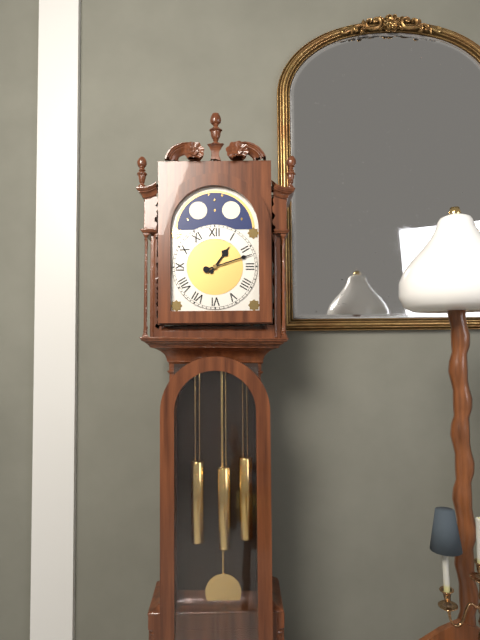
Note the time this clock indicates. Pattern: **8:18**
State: **1:12**
